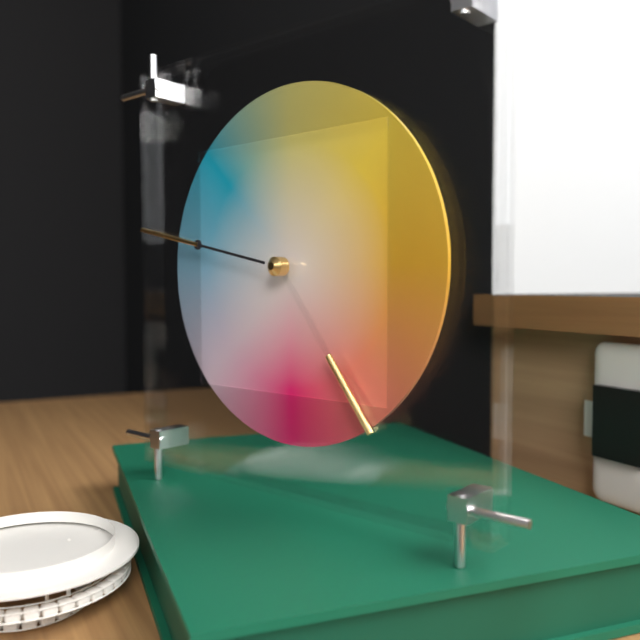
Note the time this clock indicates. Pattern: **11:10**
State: **4:47**
